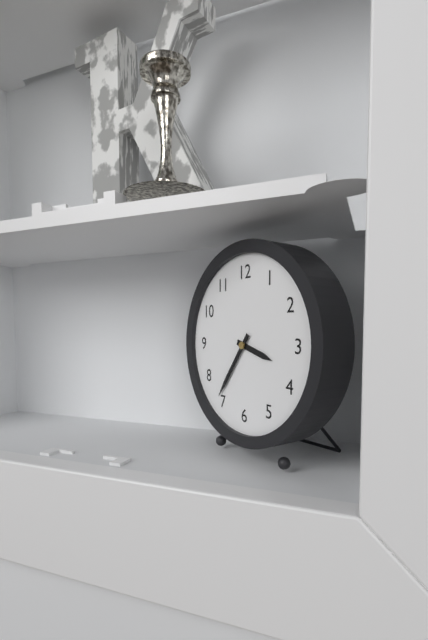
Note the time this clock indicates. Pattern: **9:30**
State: **3:36**
